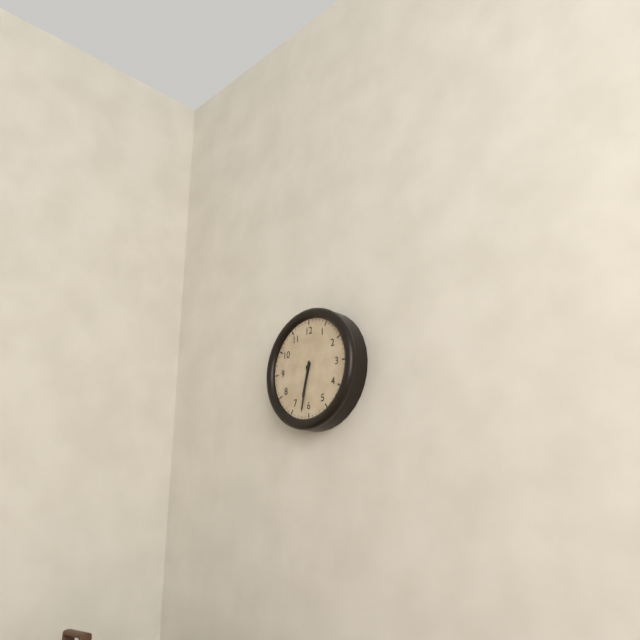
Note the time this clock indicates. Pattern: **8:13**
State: **6:32**
